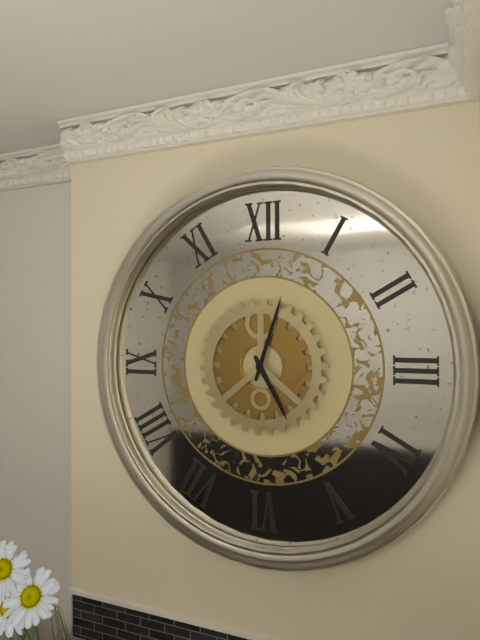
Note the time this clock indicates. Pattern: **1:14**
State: **5:03**
